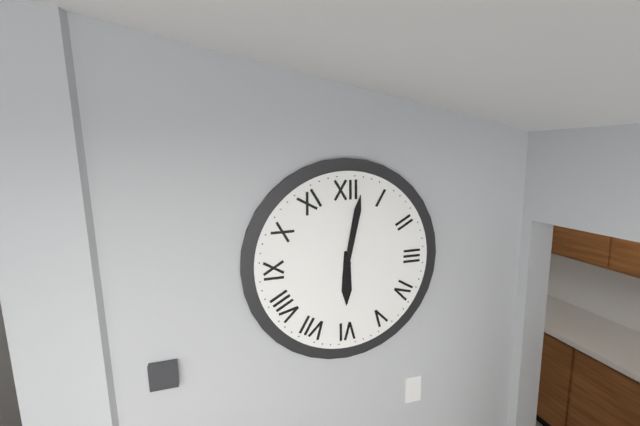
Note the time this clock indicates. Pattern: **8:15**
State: **6:02**
